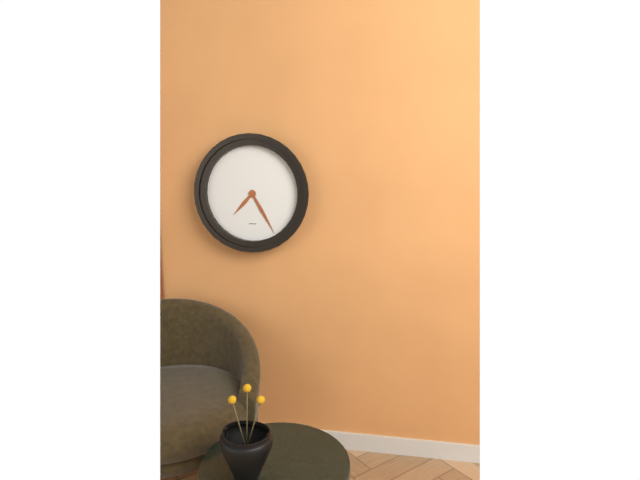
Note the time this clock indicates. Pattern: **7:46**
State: **7:25**
